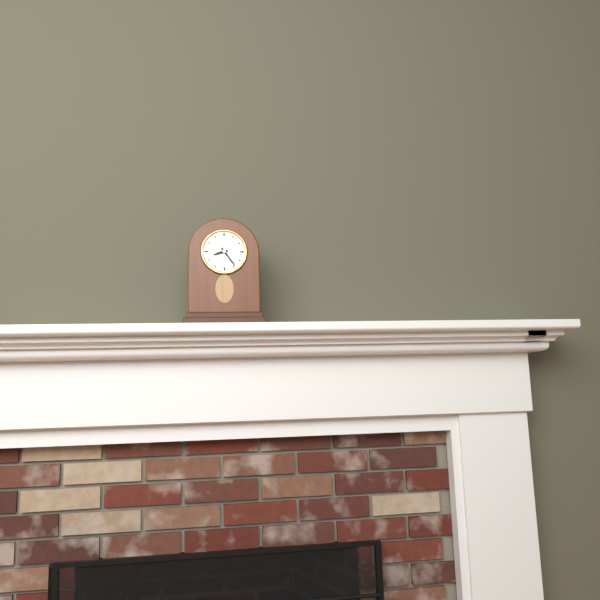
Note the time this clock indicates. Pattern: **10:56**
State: **8:24**
